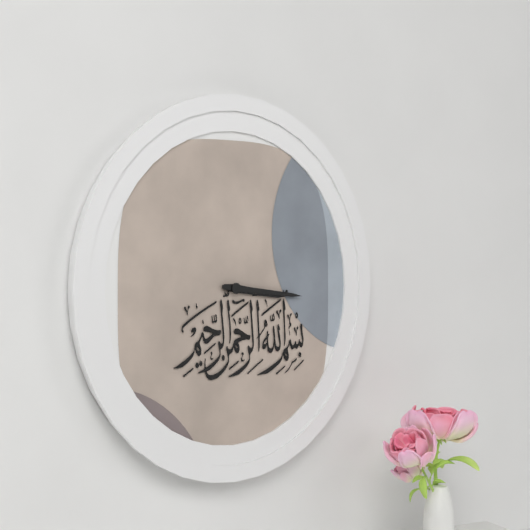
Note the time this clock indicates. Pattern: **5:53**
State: **3:16**
